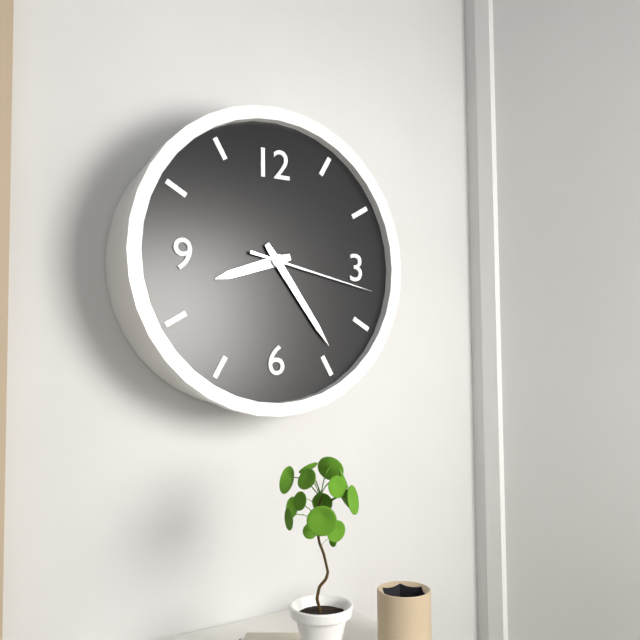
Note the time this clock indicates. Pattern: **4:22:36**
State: **8:24:17**
